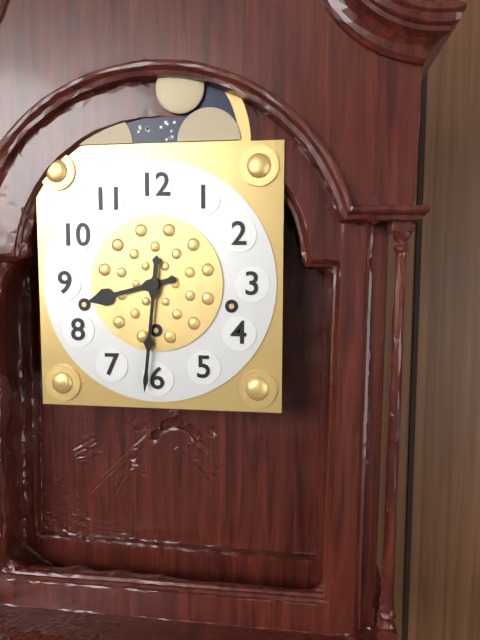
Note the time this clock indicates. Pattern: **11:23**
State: **8:31**
